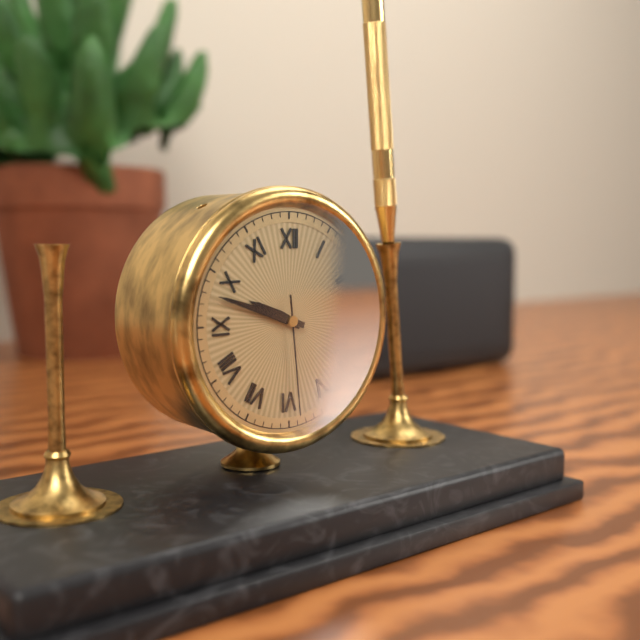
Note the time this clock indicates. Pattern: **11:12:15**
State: **9:48:29**
